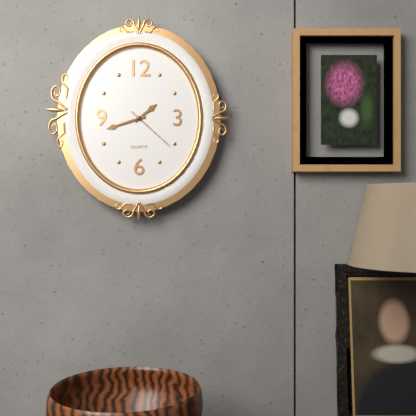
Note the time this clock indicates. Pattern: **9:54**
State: **1:42**
